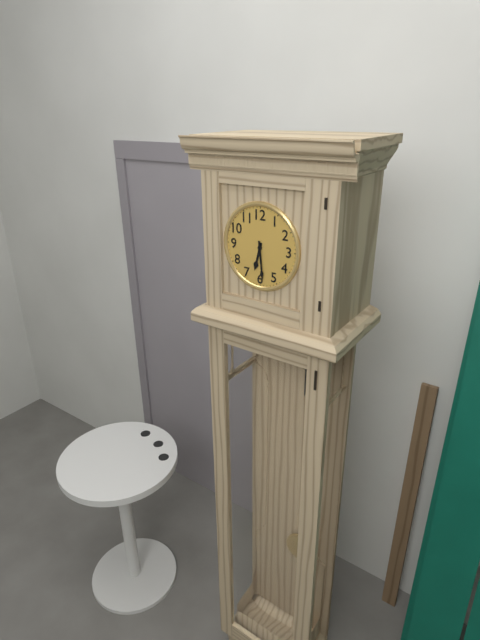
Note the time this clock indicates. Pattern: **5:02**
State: **6:29**
